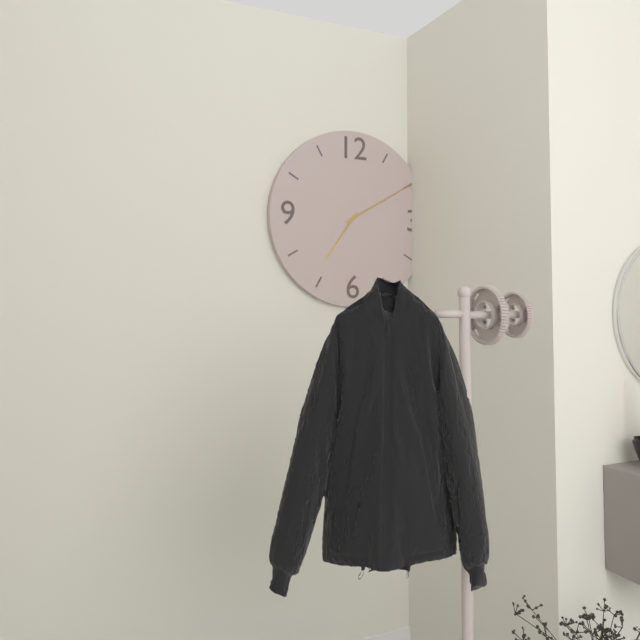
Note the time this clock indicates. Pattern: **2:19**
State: **7:10**
